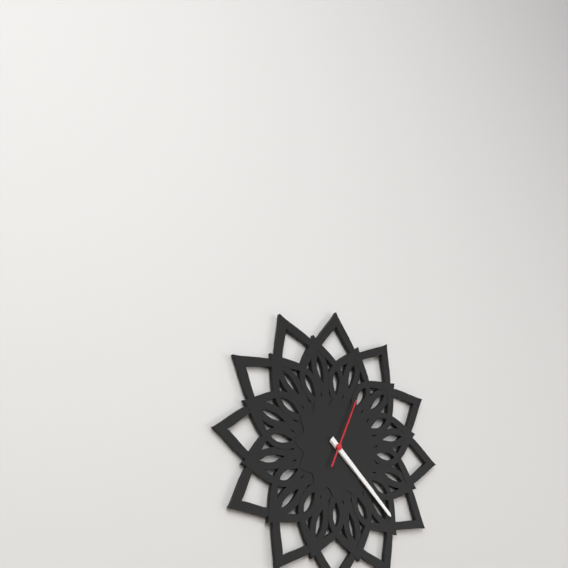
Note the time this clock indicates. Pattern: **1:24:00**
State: **4:22:04**
